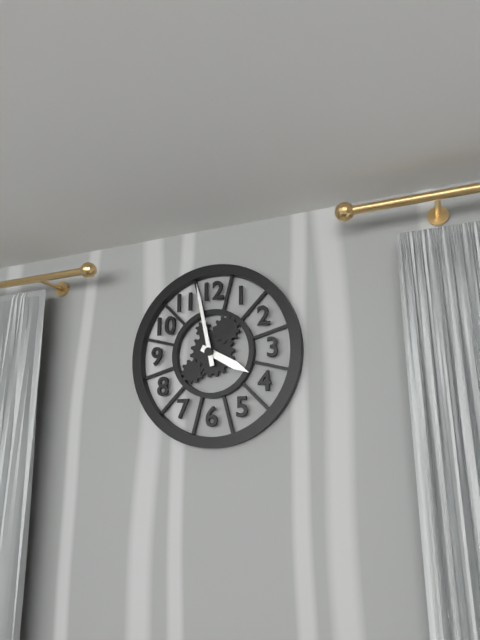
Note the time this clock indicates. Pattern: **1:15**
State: **3:58**
